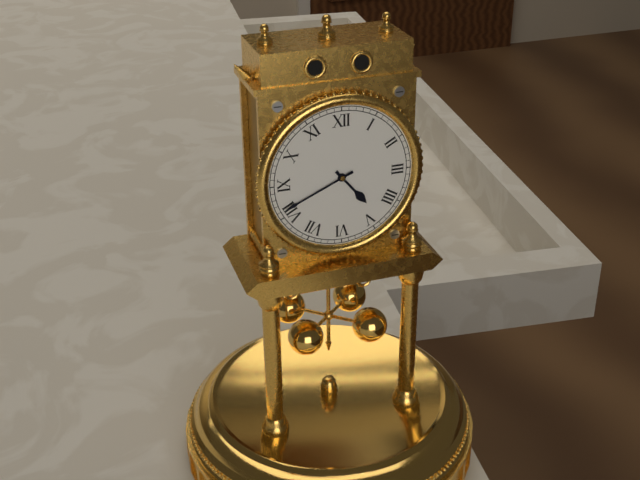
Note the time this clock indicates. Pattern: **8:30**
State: **4:41**
